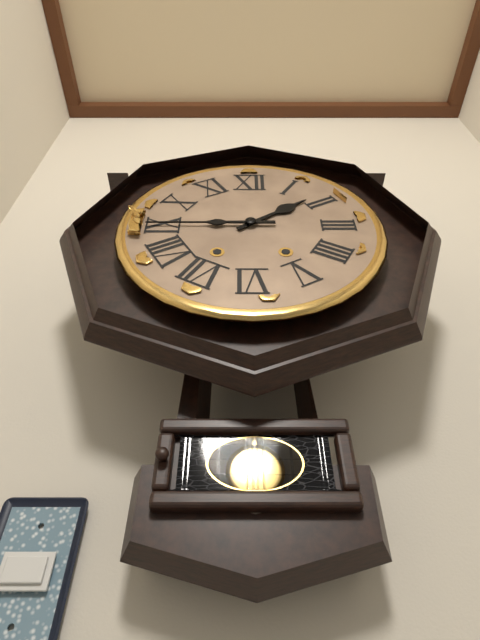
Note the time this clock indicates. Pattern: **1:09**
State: **1:45**
